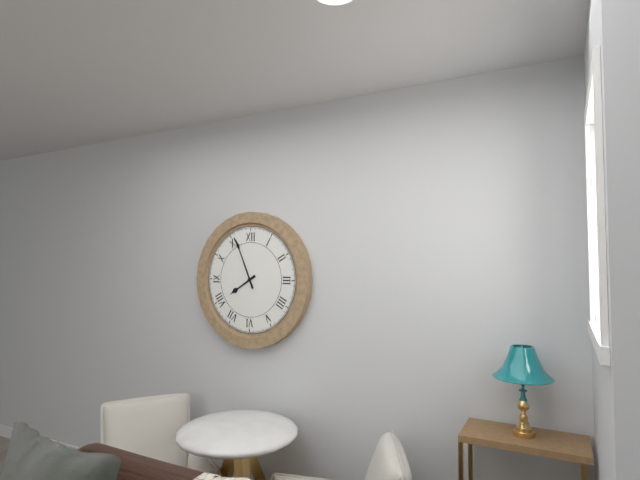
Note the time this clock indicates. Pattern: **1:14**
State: **7:56**
